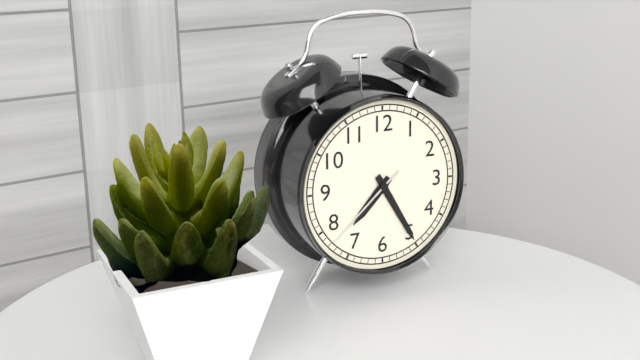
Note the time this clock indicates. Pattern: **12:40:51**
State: **7:25:38**
